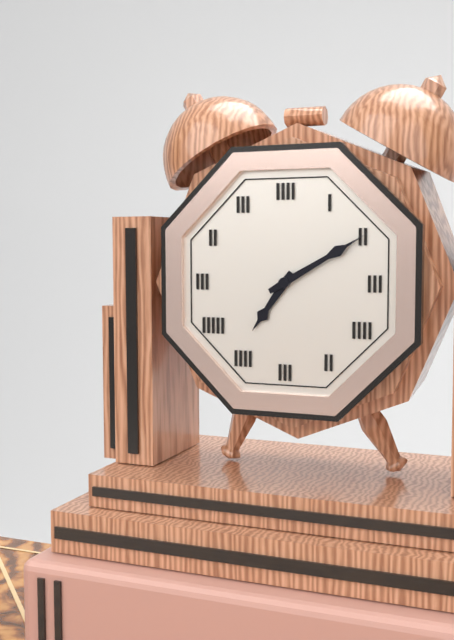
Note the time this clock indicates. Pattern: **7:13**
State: **7:10**
